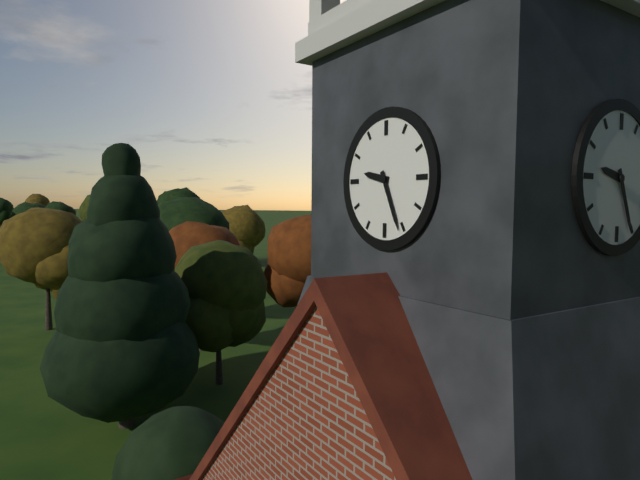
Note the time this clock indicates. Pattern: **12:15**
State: **9:26**
